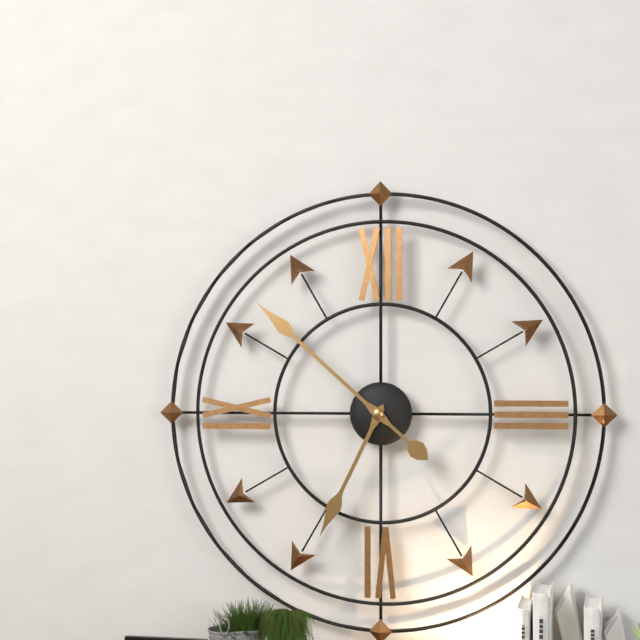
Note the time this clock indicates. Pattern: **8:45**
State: **6:52**
